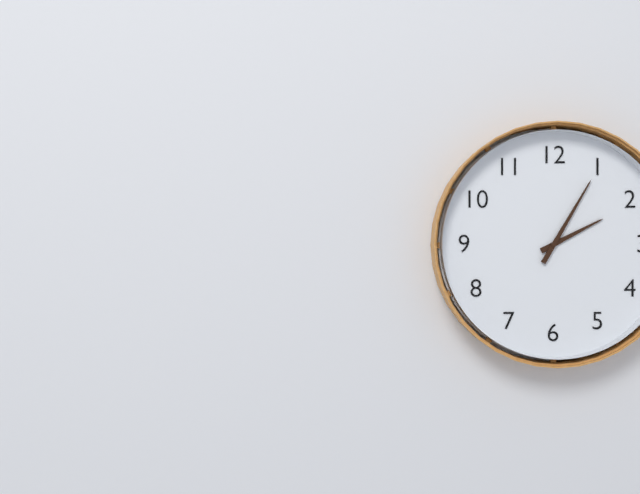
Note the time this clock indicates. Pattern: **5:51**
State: **2:05**
